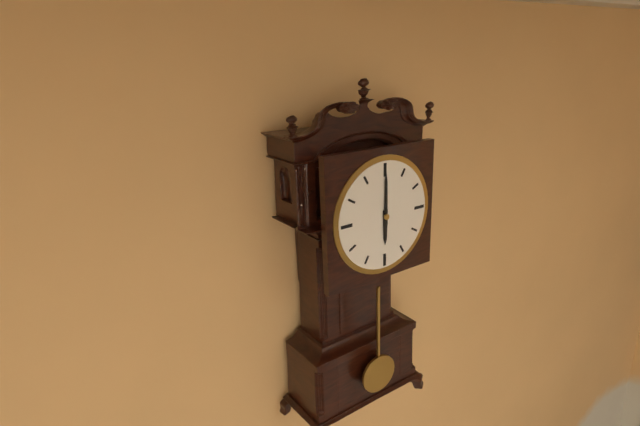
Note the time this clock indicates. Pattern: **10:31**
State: **6:00**
